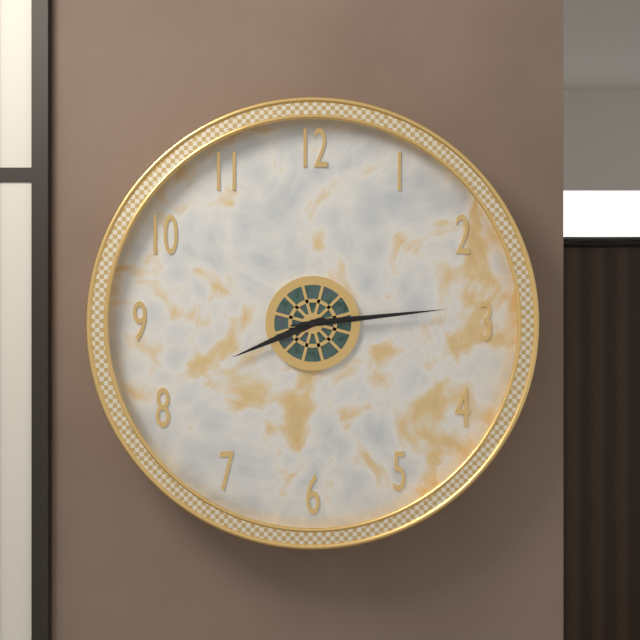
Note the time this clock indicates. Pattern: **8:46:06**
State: **8:14:14**
